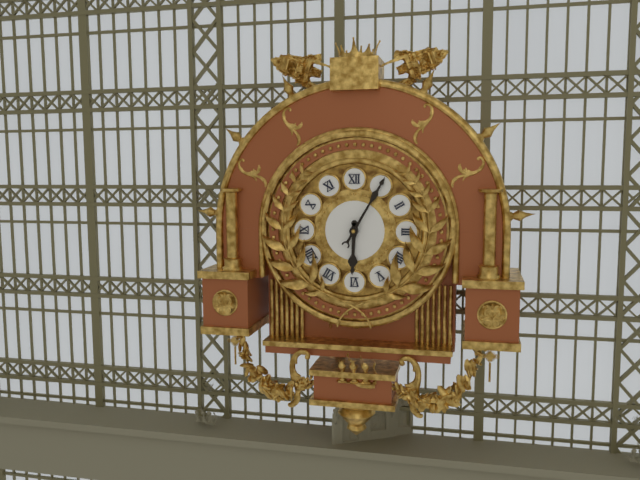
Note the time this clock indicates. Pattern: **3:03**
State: **6:05**
